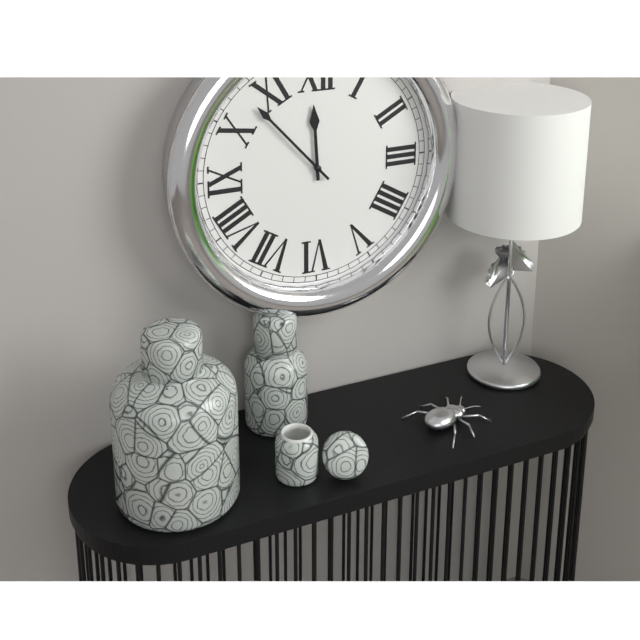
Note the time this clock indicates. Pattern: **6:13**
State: **11:53**
